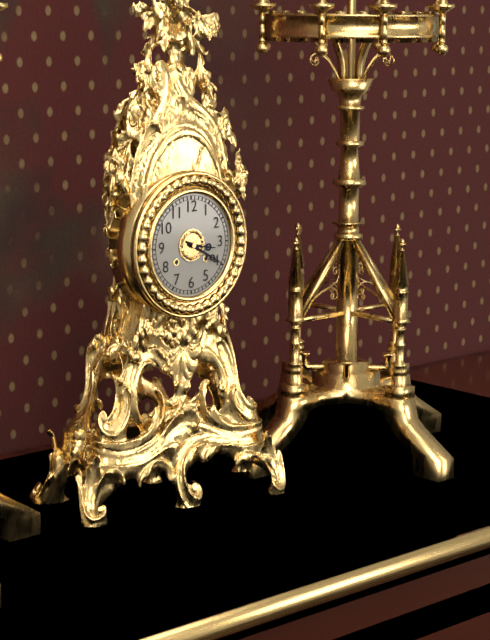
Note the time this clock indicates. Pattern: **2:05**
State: **3:20**
